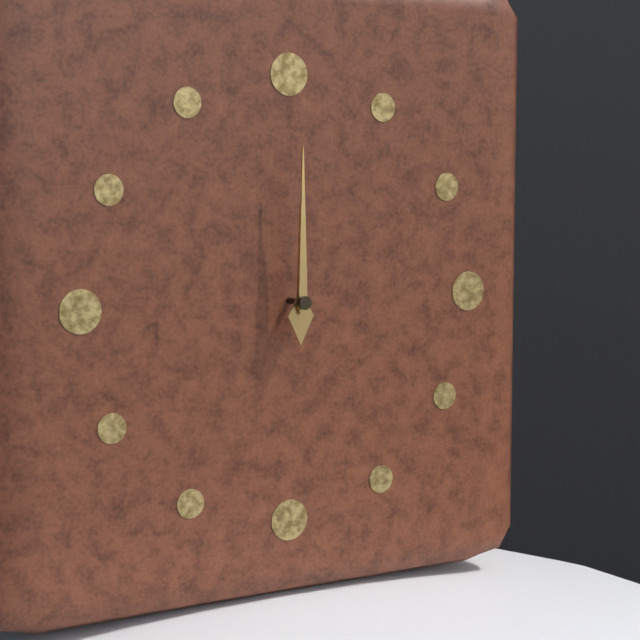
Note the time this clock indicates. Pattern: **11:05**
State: **12:00**
